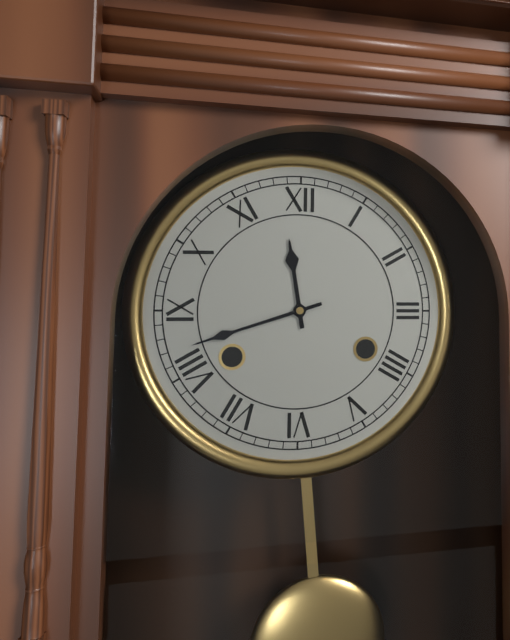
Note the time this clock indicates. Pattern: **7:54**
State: **11:42**
